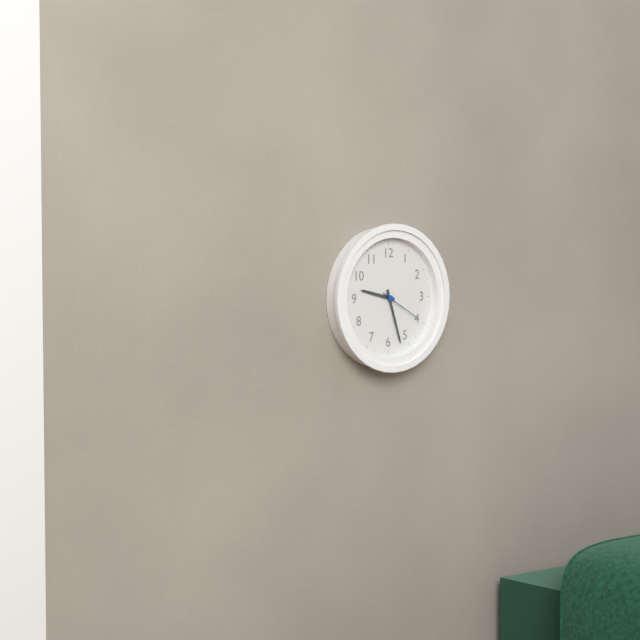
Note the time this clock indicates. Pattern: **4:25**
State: **9:27**
